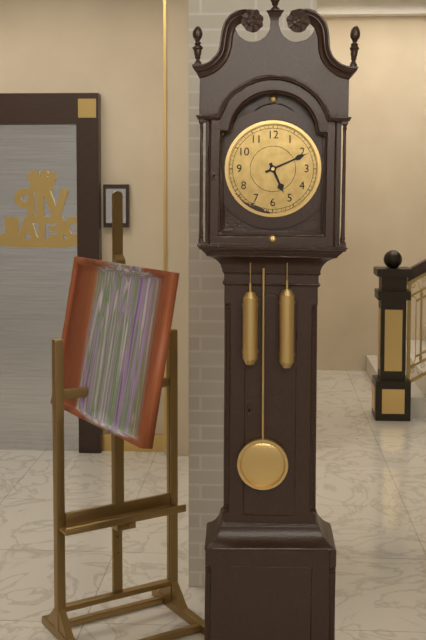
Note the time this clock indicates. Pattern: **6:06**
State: **5:11**
